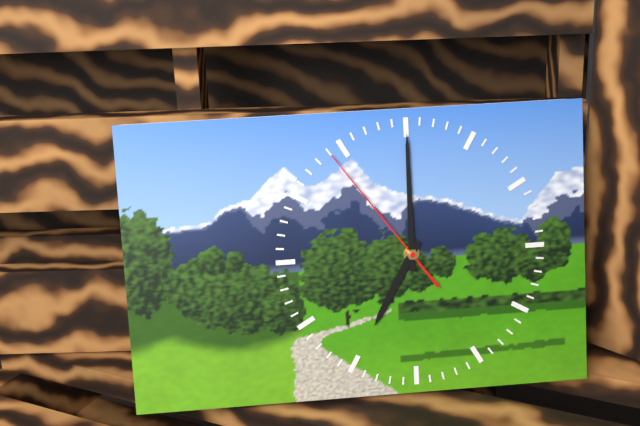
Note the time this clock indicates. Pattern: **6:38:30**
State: **7:00:54**
